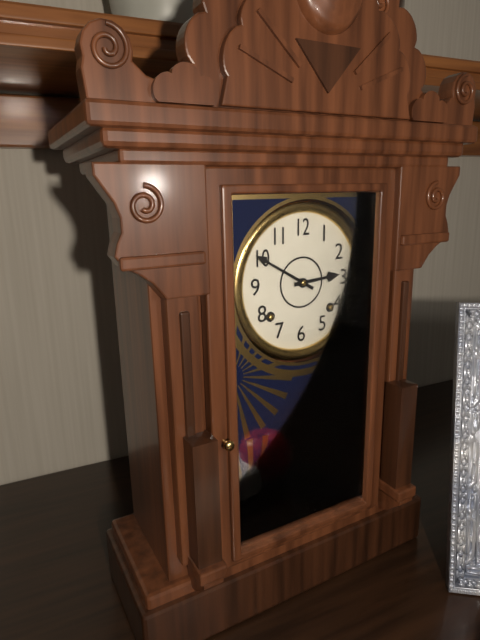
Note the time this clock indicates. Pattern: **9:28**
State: **2:50**
